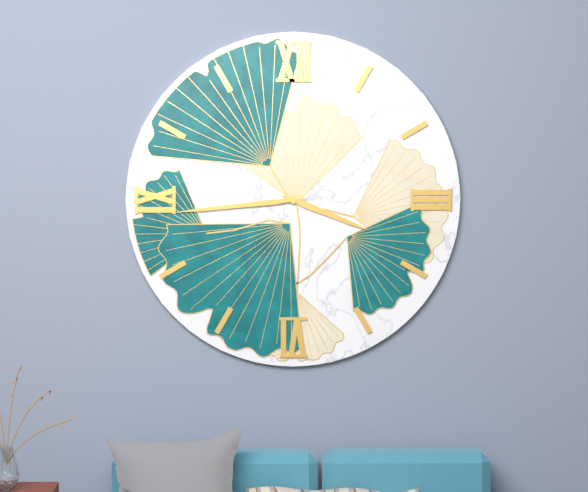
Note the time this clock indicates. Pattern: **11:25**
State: **3:44**
